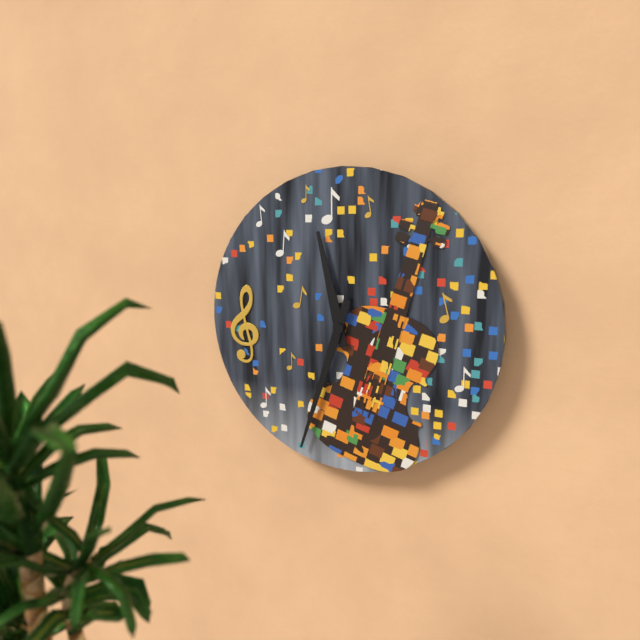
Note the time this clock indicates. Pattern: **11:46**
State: **11:33**
